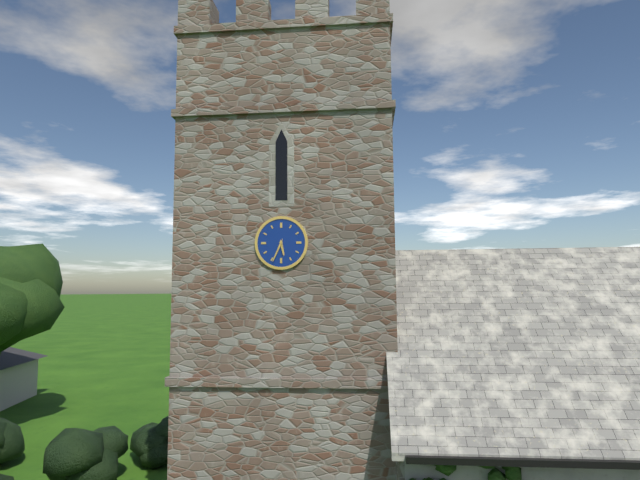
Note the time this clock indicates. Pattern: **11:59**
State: **5:34**
